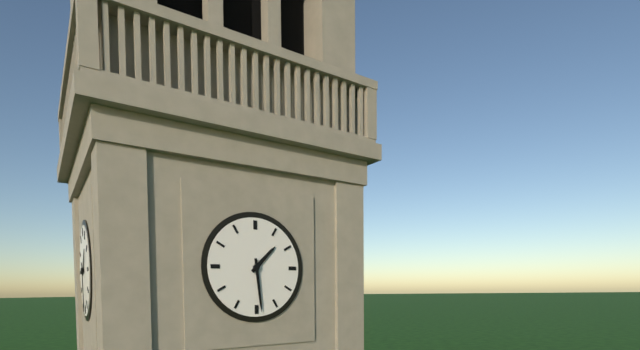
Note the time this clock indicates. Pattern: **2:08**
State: **1:29**
